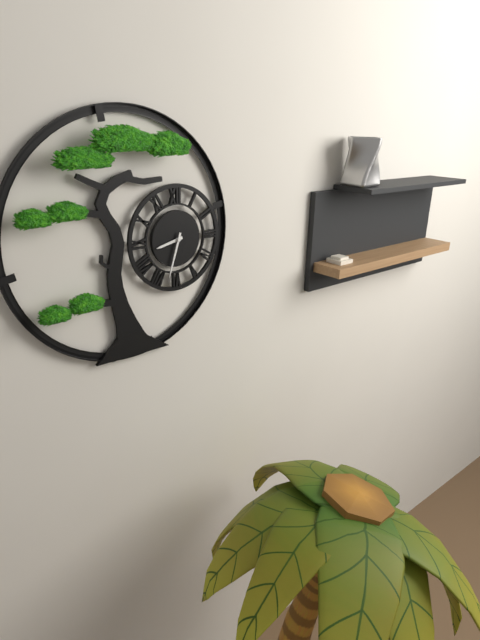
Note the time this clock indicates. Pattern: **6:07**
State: **8:33**
